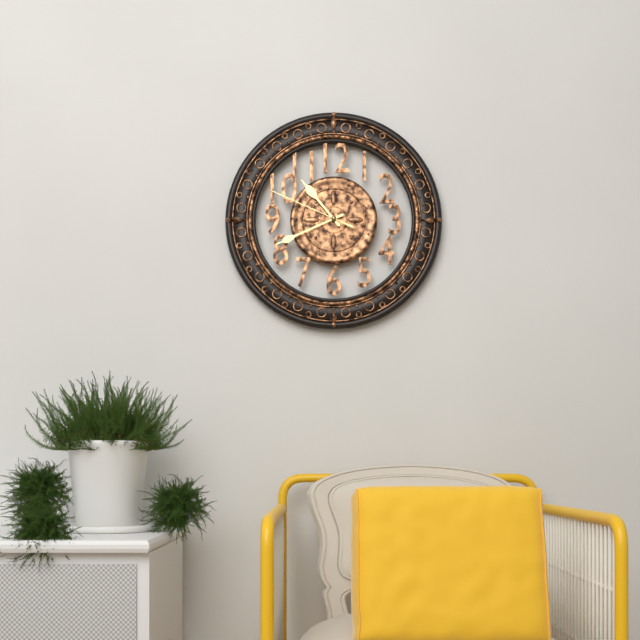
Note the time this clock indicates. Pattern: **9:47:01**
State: **10:41:49**
